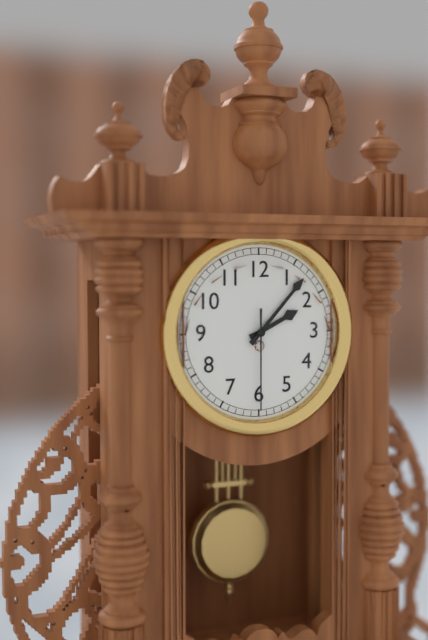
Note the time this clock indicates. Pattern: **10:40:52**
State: **2:07:30**
